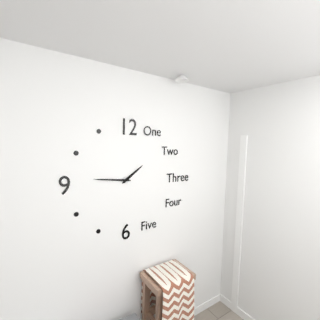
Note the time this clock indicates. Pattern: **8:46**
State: **1:46**
